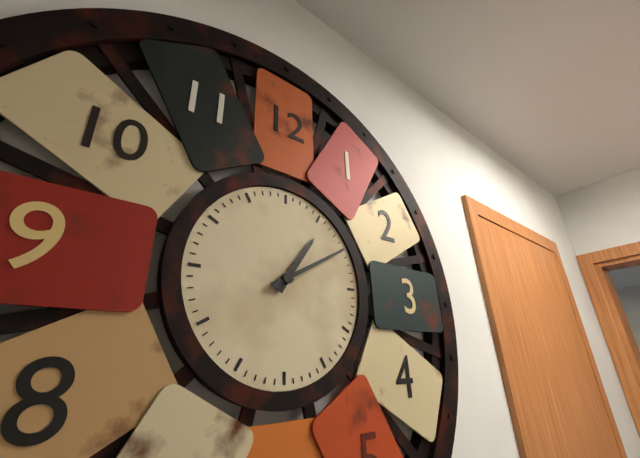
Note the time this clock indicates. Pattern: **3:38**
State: **1:10**
